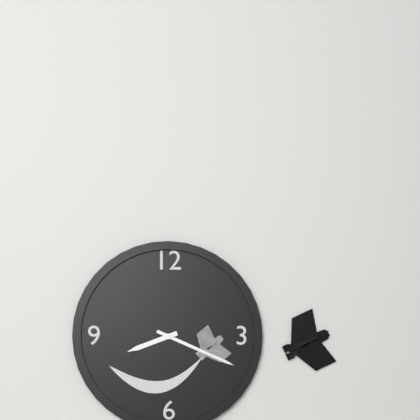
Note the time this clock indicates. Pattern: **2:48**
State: **8:19**
